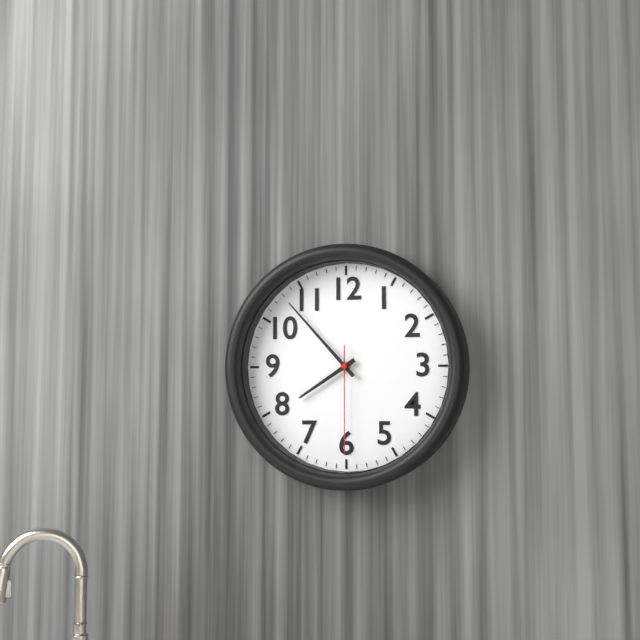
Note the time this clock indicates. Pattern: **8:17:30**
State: **7:53:30**
